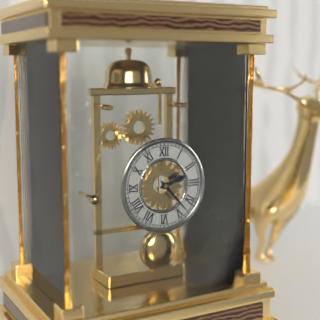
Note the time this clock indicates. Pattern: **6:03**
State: **2:23**
